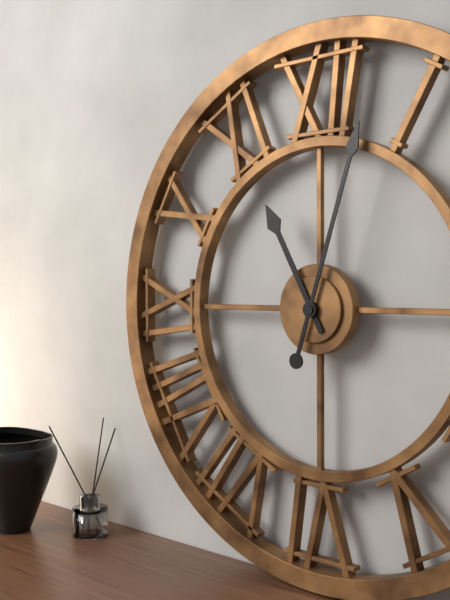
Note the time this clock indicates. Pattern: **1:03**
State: **11:03**
